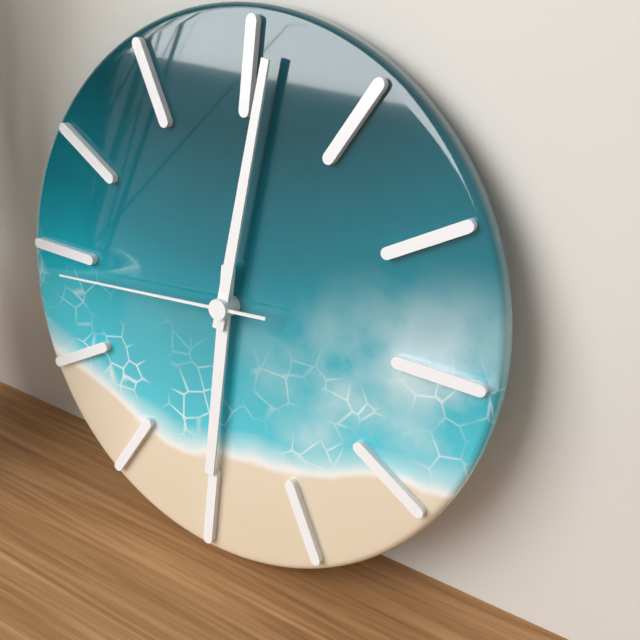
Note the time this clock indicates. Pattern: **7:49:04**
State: **6:01:44**
